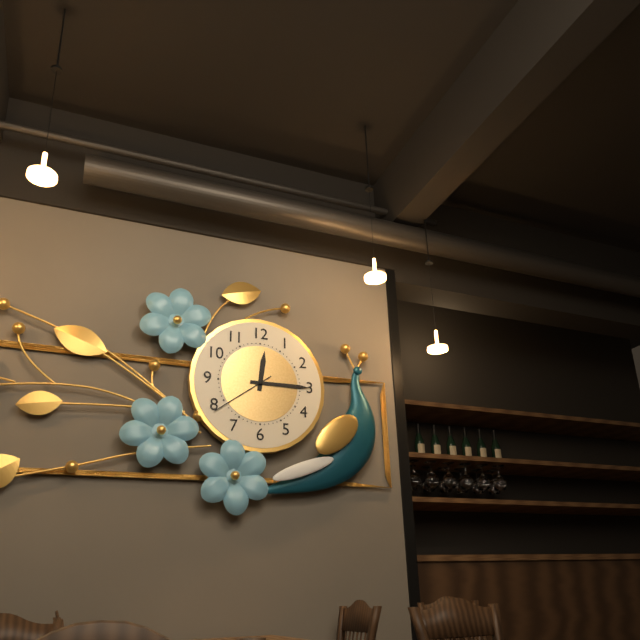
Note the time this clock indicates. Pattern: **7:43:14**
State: **12:15:39**
